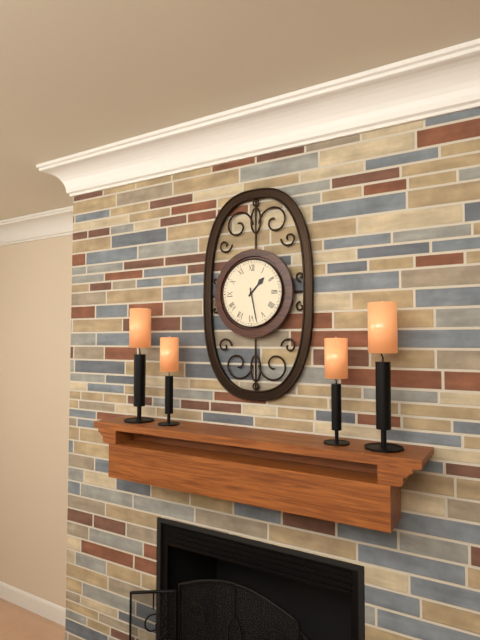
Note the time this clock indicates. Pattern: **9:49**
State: **1:28**
